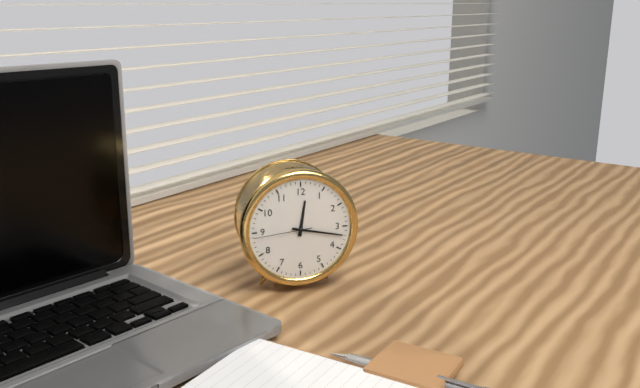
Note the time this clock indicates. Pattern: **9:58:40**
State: **12:17:44**
